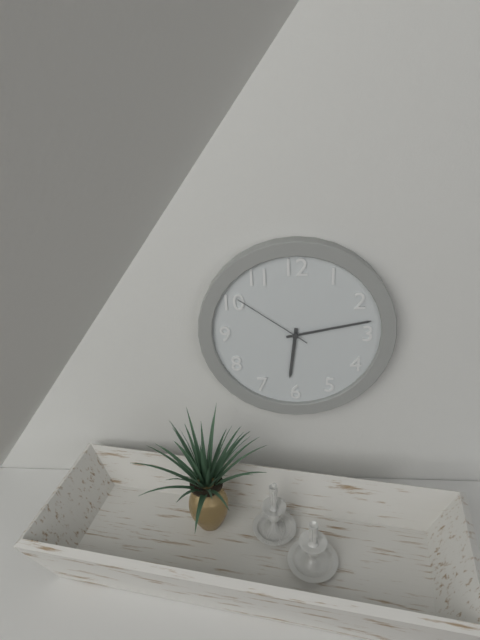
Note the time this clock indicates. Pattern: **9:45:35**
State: **6:13:51**
